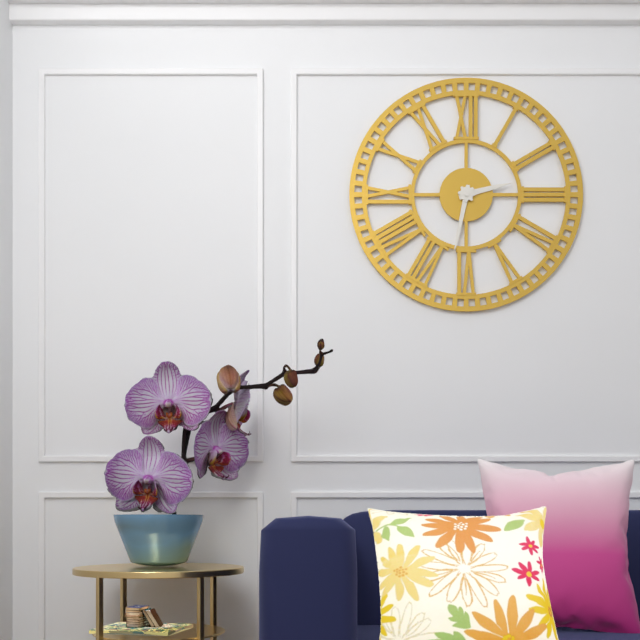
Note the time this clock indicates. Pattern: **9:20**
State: **2:32**
